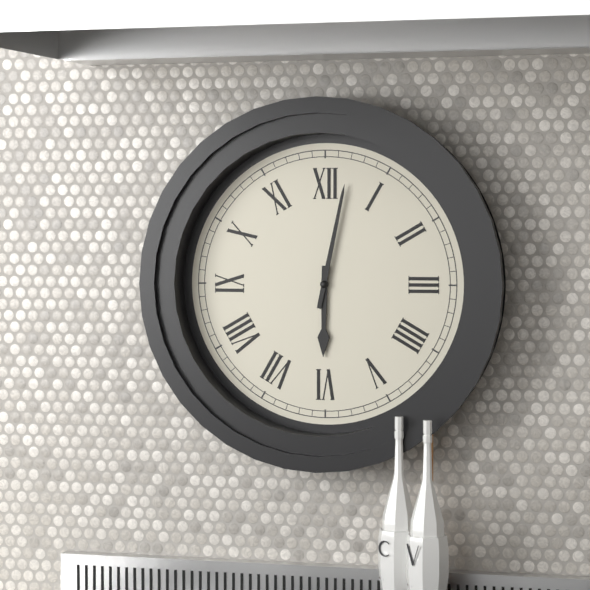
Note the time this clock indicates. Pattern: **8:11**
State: **6:02**
